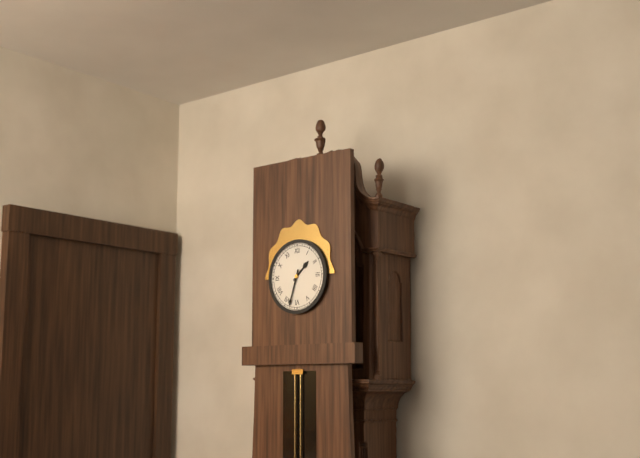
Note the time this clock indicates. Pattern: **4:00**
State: **1:33**
